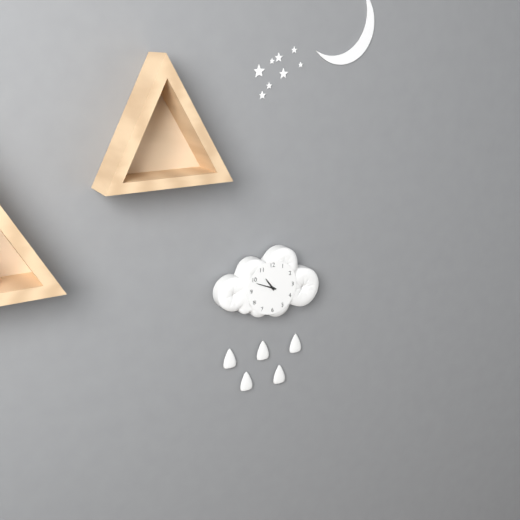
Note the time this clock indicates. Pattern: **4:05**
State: **10:49**
